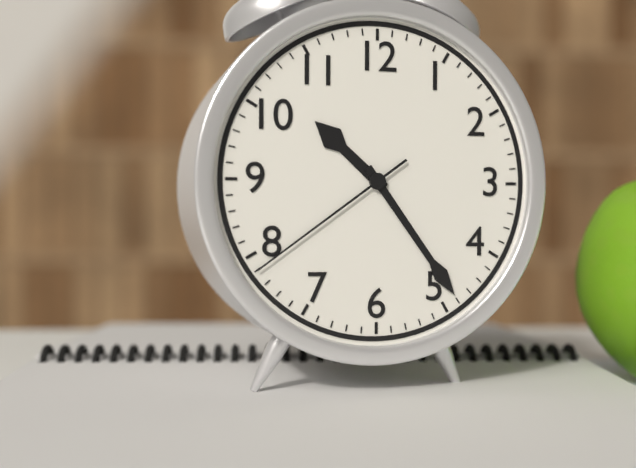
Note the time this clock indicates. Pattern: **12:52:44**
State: **10:24:39**
